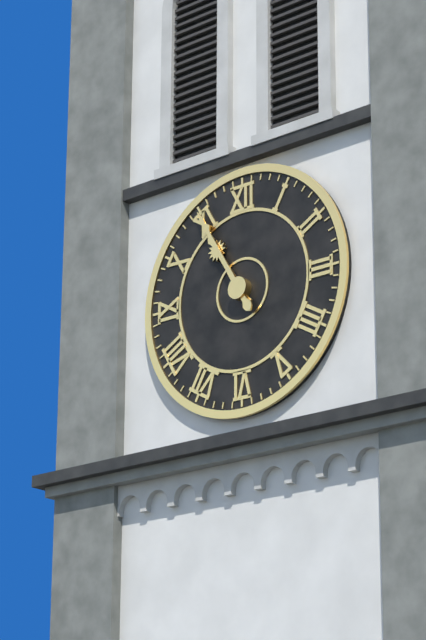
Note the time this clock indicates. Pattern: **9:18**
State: **10:55**
